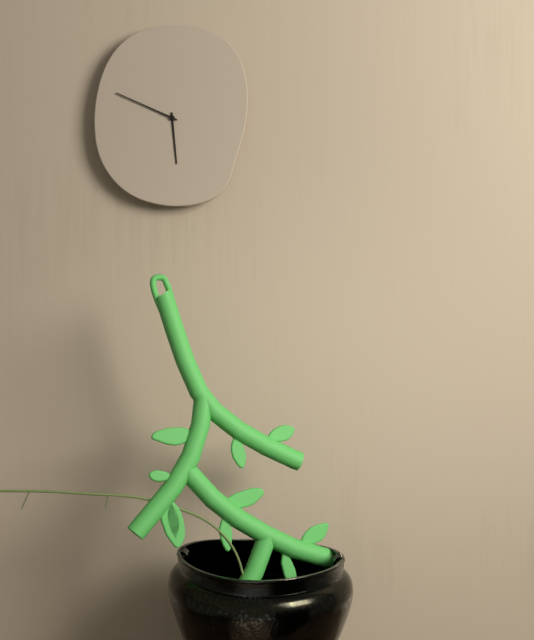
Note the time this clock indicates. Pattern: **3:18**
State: **5:49**
